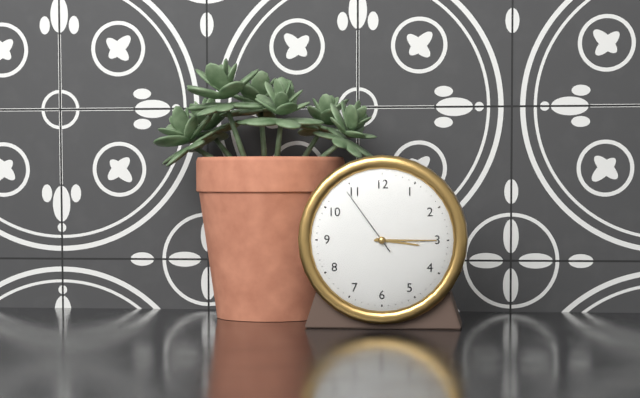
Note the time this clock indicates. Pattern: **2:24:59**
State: **3:15:54**
